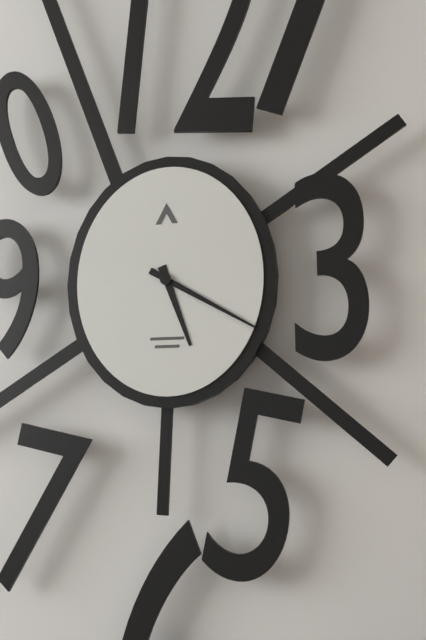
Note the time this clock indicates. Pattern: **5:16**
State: **5:20**
